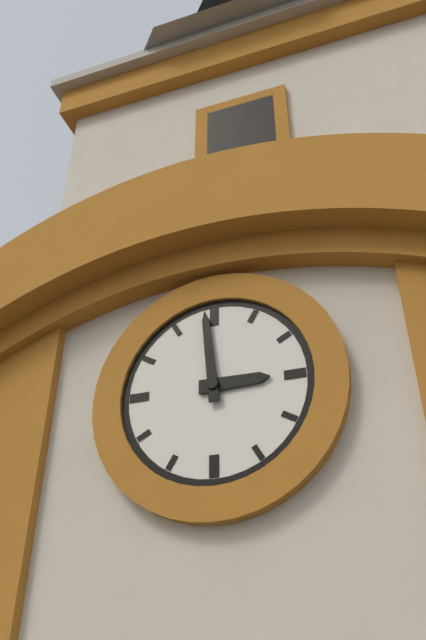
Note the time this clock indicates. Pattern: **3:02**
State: **2:59**
